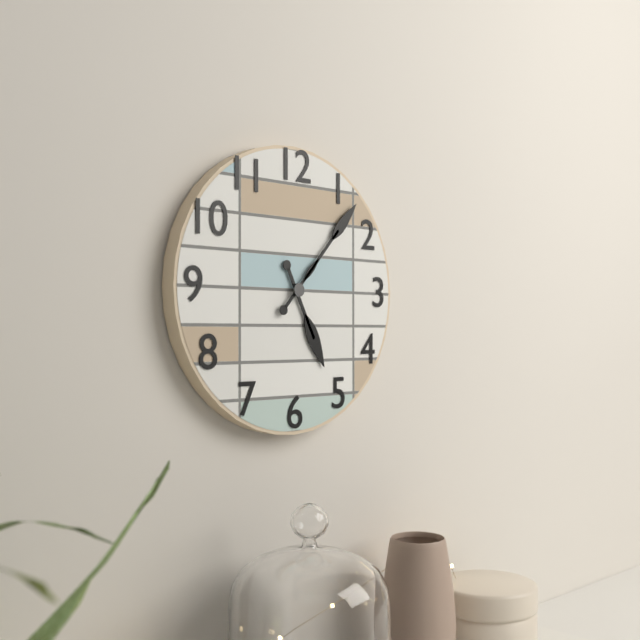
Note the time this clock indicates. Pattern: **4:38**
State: **5:07**
